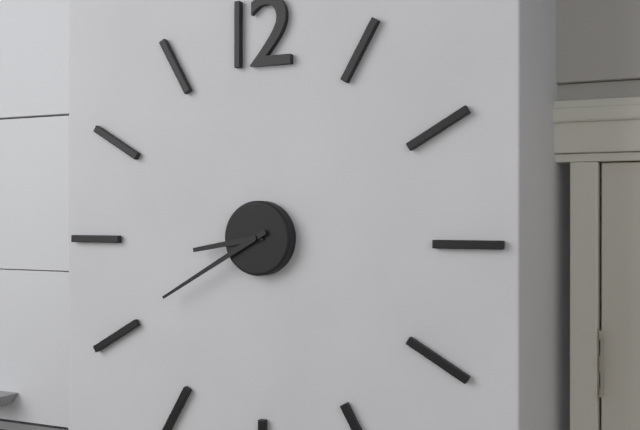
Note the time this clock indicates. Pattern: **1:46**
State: **8:40**
